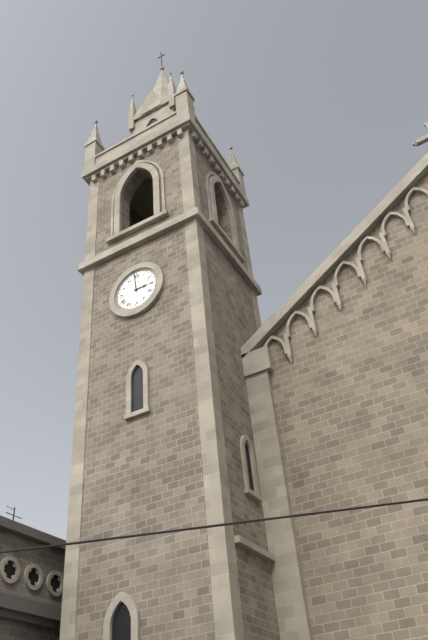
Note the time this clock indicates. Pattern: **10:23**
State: **2:59**
